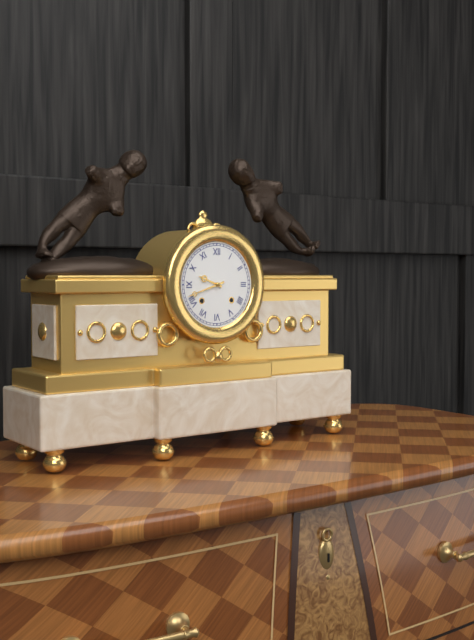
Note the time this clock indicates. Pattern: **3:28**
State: **9:42**
